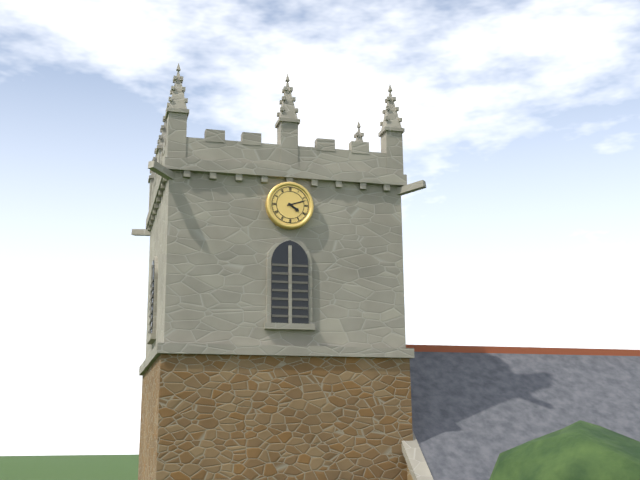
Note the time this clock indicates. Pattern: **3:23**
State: **4:12**
